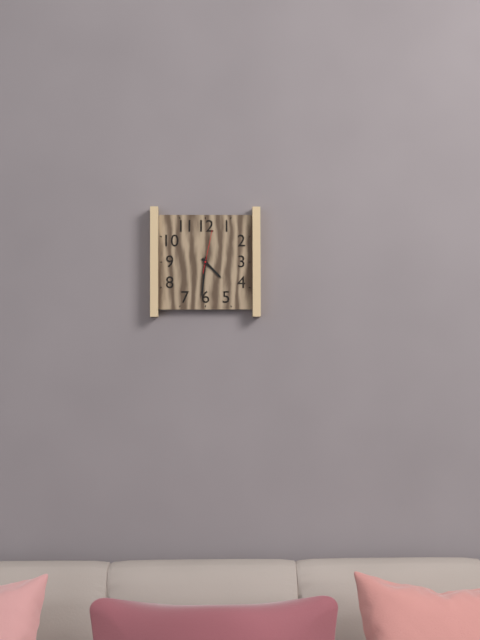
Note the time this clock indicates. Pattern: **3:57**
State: **4:31**
